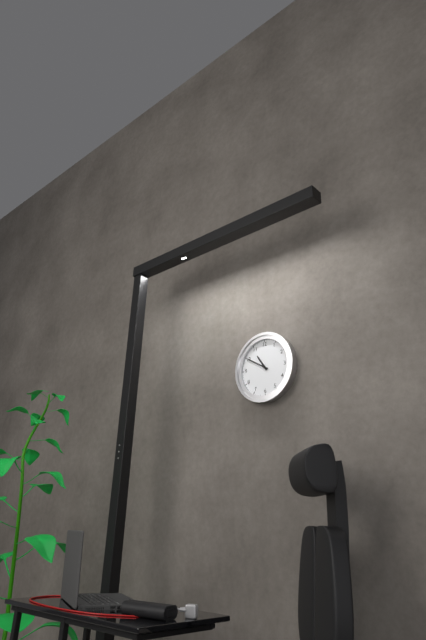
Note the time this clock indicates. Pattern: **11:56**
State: **10:50**
